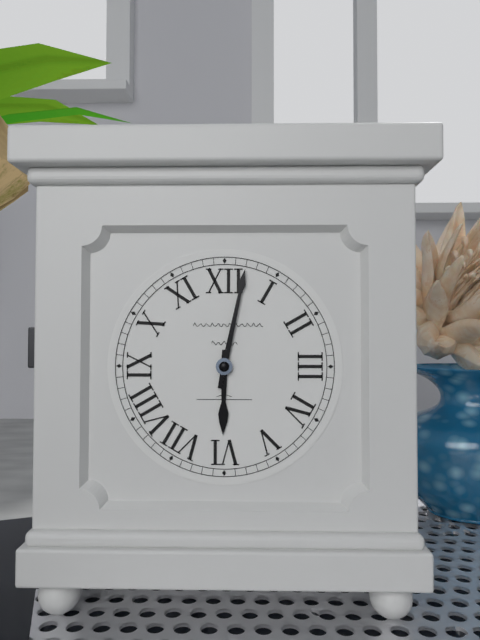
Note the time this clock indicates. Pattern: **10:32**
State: **6:02**
